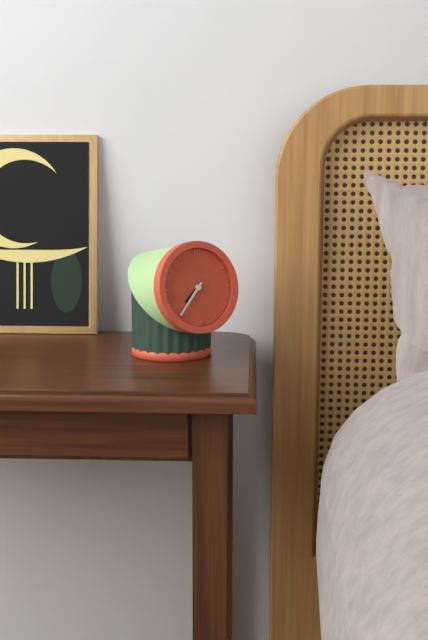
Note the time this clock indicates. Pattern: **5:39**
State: **7:37**
